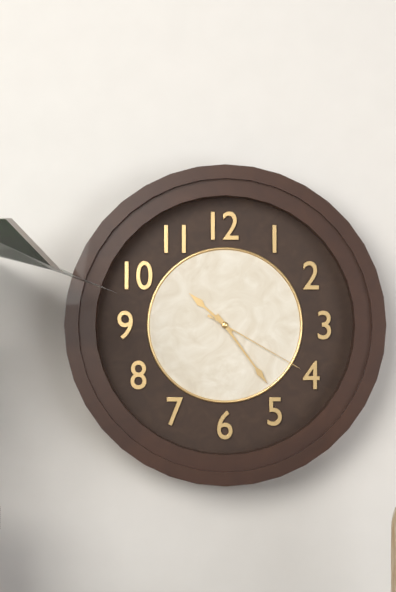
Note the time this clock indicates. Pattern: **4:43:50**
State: **10:24:20**
